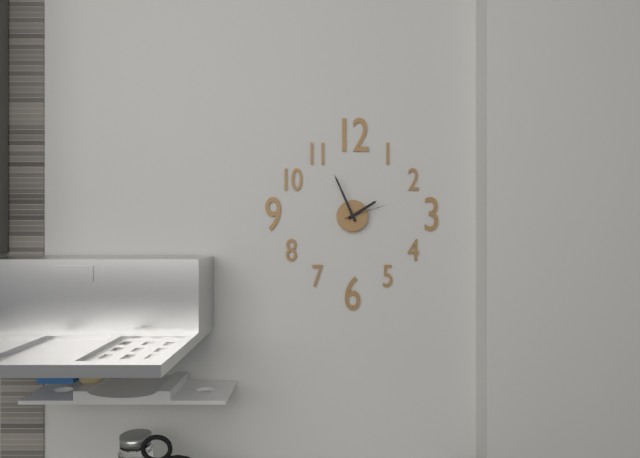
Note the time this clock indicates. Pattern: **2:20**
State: **1:56**
